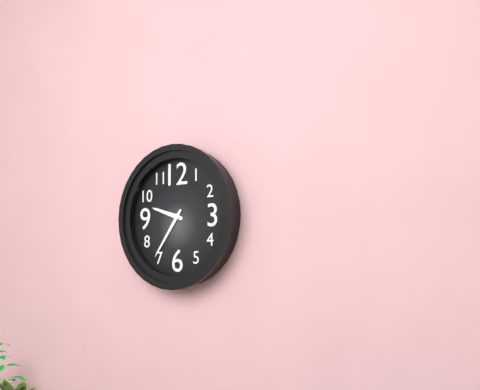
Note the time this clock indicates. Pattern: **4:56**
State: **9:36**
